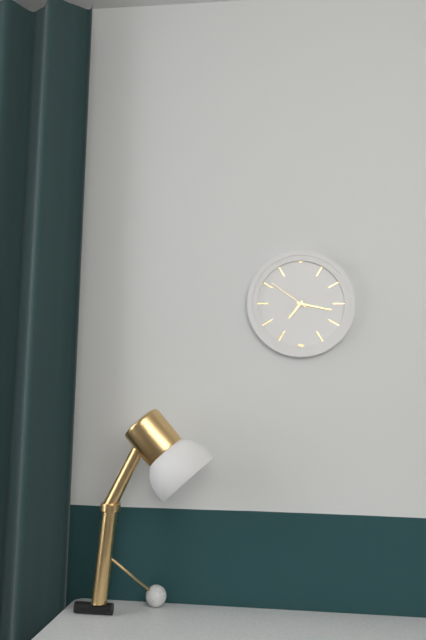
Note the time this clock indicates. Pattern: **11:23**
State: **7:17**
